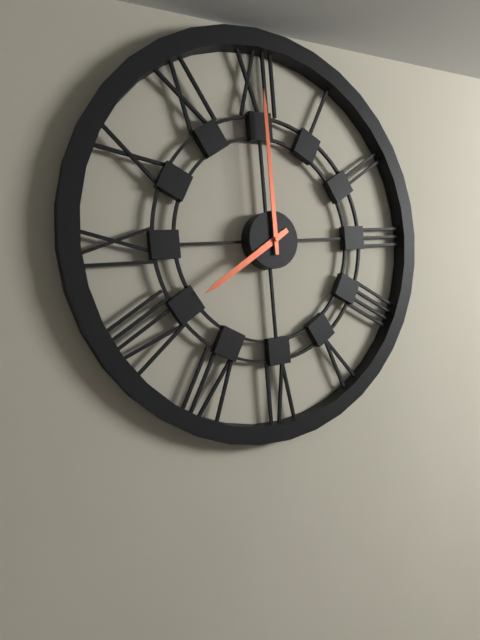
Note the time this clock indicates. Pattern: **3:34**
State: **8:00**
